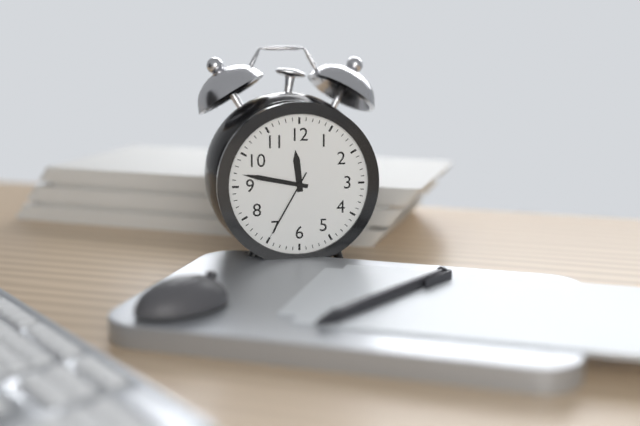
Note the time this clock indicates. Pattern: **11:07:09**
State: **11:47:35**
